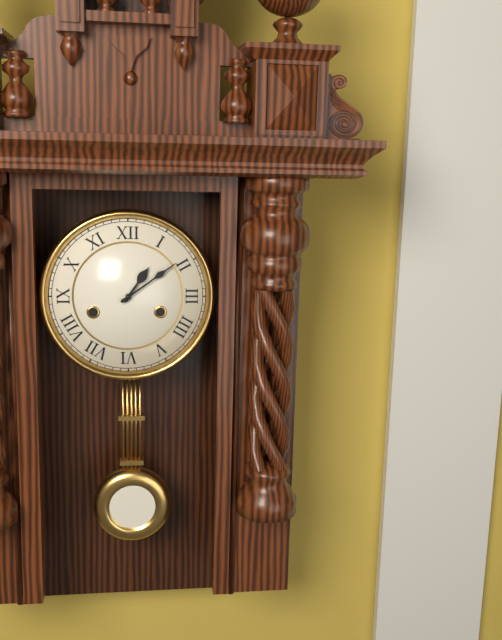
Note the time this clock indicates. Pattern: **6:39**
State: **1:09**
